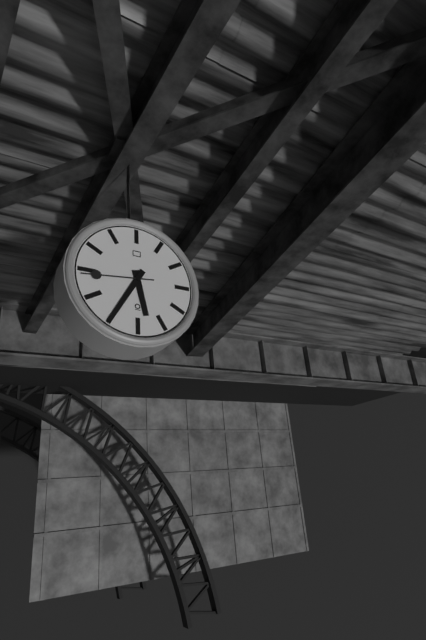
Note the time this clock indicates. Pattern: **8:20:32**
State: **5:35:44**
